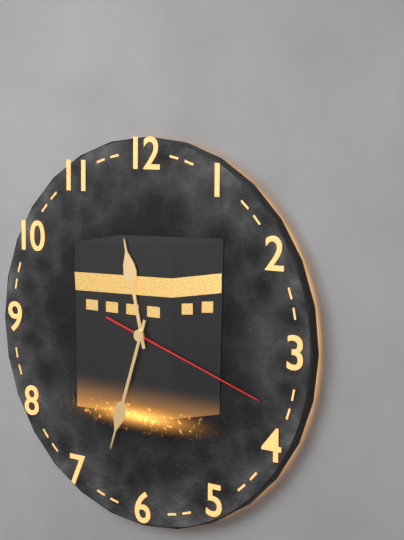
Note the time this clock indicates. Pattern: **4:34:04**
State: **11:33:18**
